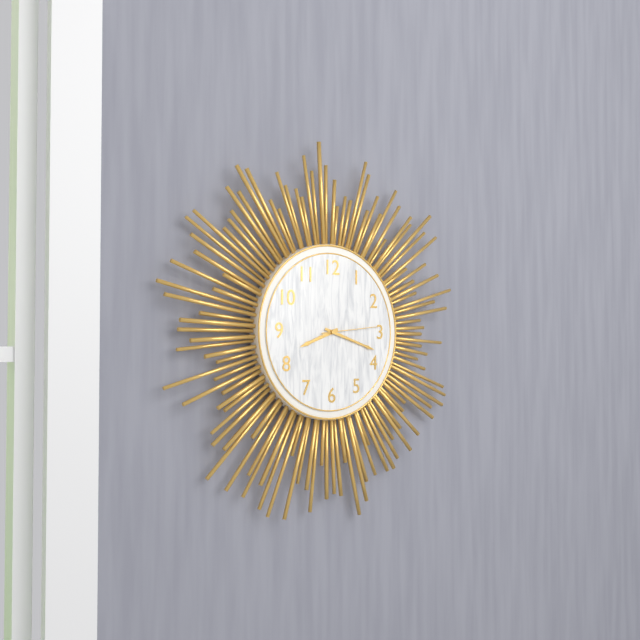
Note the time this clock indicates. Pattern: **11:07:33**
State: **8:18:14**
